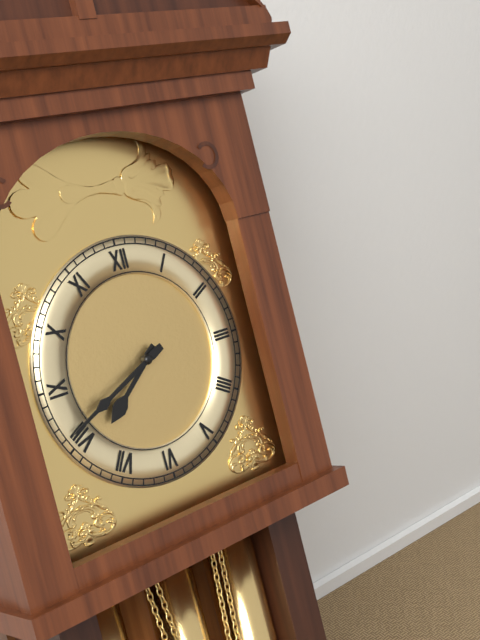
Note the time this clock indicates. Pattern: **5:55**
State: **7:41**
